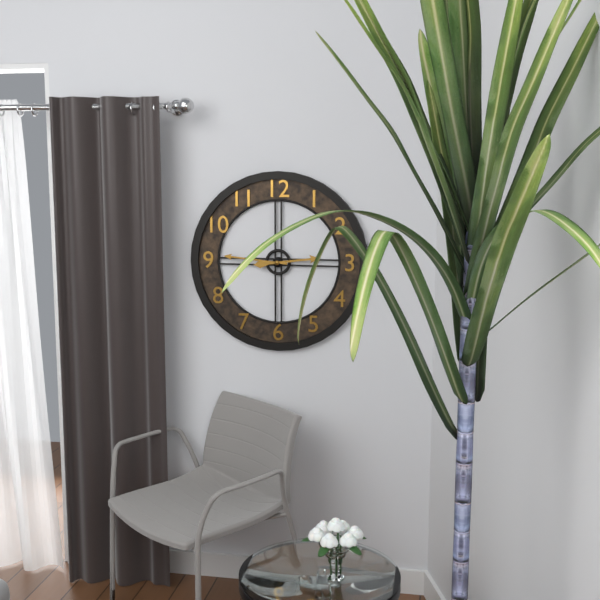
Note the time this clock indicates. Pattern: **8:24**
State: **2:46**
